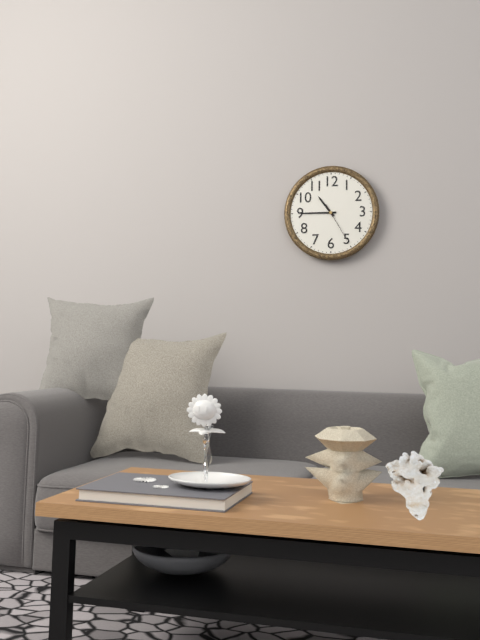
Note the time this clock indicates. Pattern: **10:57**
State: **10:45**
